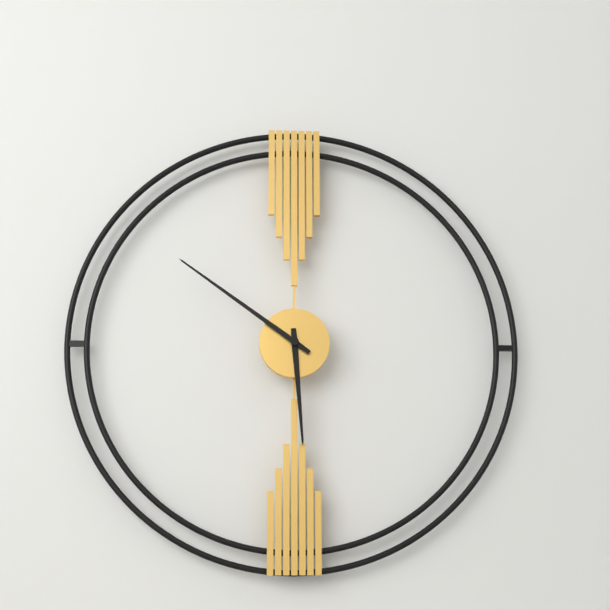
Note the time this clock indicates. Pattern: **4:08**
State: **5:51**
